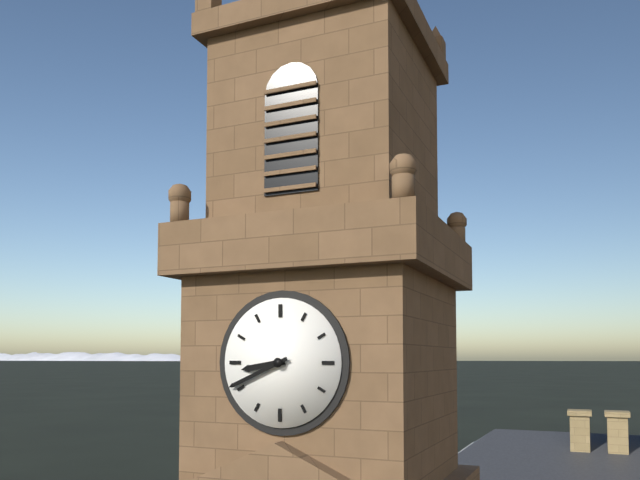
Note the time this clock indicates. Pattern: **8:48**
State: **8:41**
